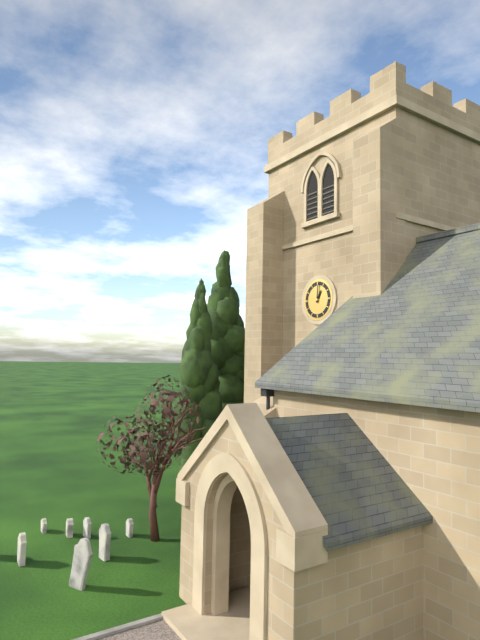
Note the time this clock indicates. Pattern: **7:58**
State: **1:01**
